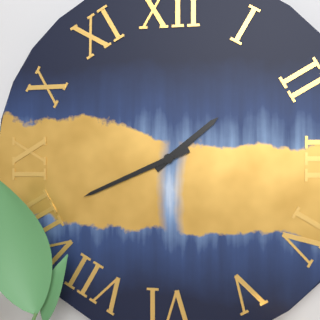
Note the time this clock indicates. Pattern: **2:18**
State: **1:41**
